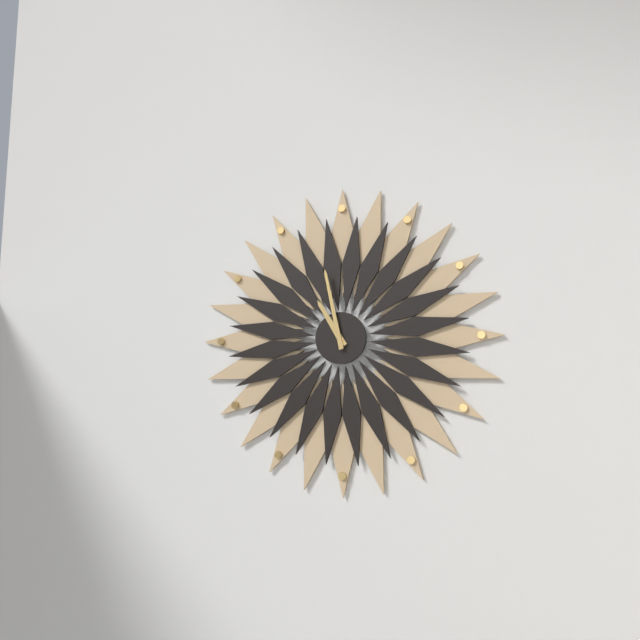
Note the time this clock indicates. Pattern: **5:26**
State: **10:58**
